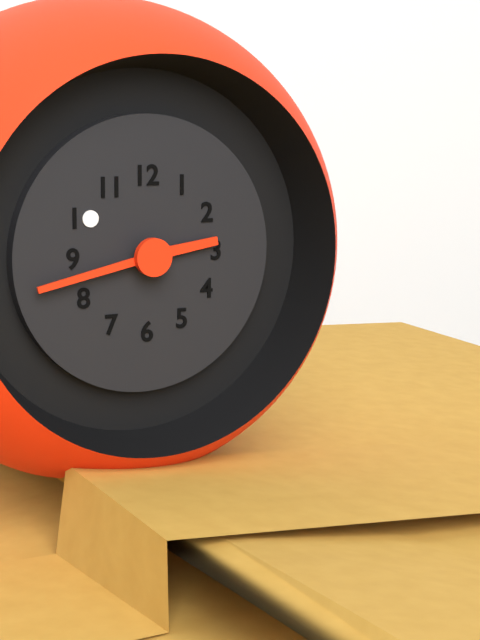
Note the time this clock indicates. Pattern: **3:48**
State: **2:43**
